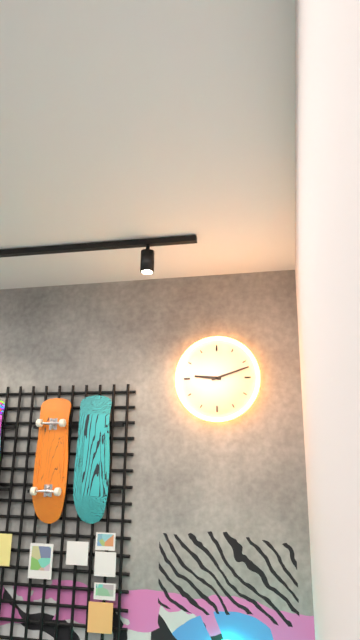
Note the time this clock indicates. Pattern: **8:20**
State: **9:12**
